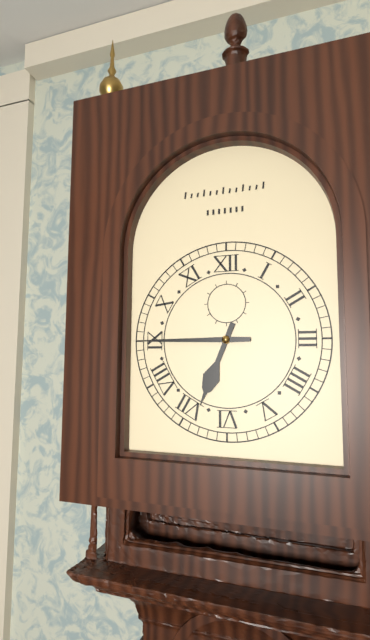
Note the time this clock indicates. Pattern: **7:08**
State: **6:45**
